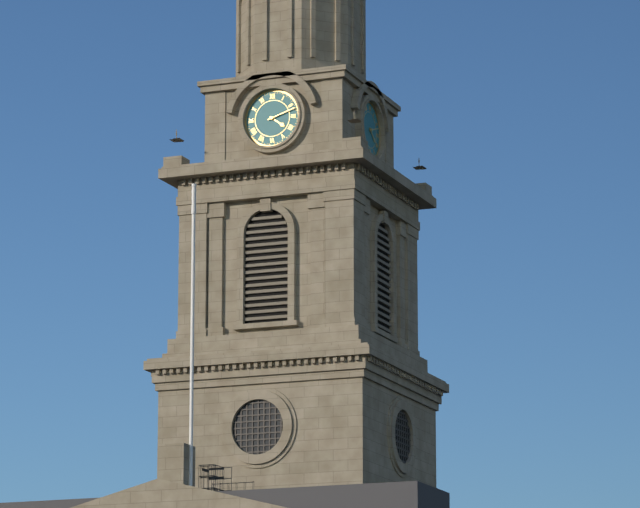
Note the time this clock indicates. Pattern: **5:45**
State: **4:12**
